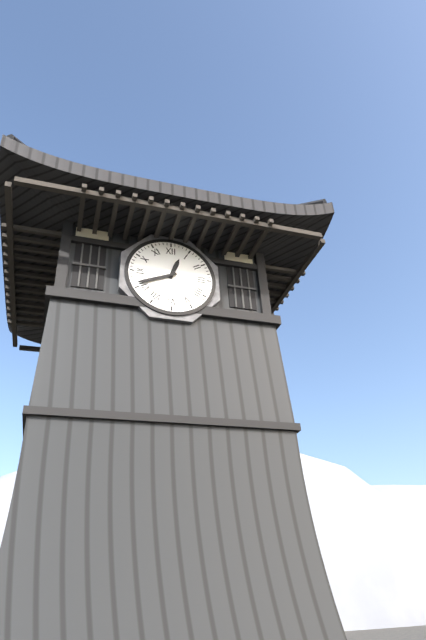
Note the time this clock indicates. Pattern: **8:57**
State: **12:41**
